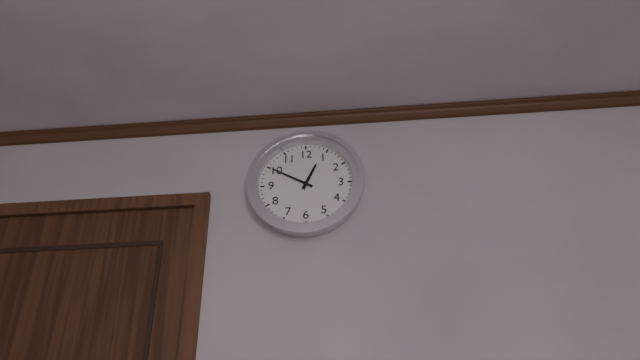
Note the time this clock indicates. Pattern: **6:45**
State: **12:50**
